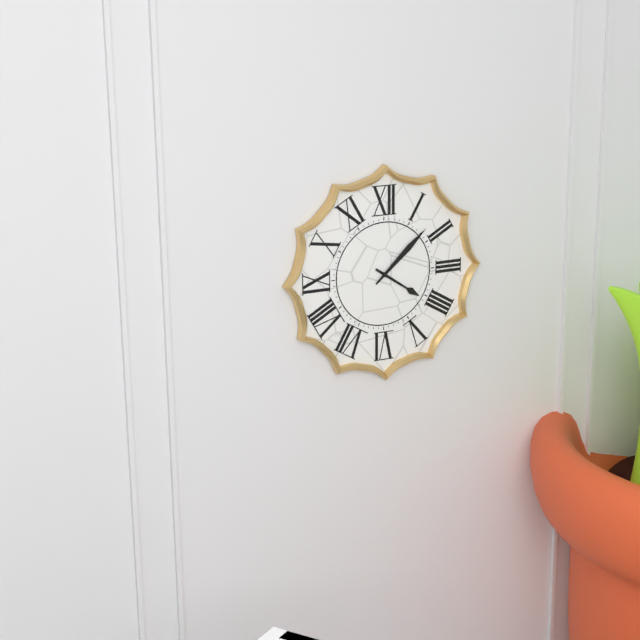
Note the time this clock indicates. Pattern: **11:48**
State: **4:08**
